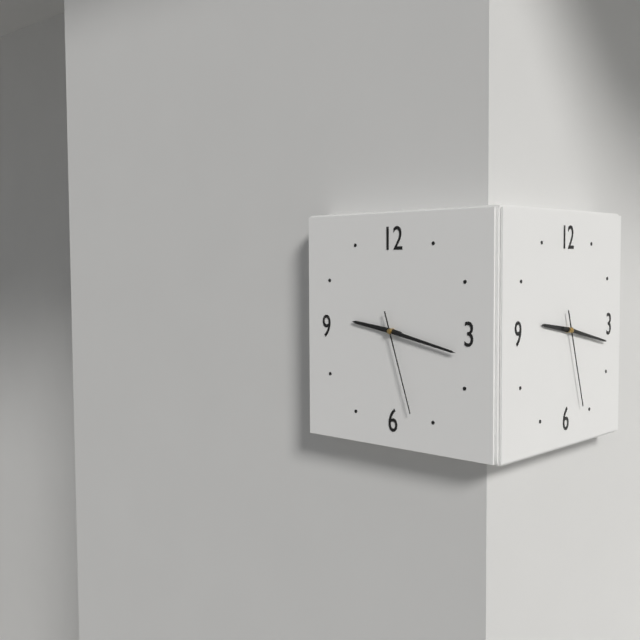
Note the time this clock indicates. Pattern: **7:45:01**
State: **9:17:27**
